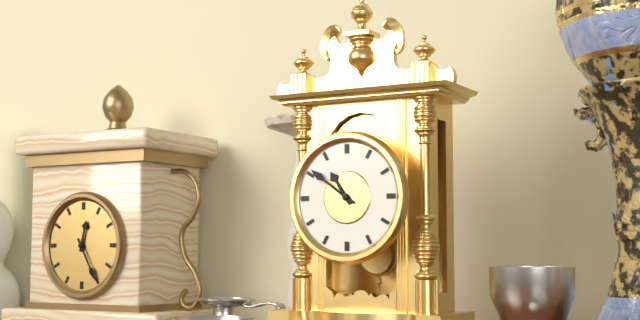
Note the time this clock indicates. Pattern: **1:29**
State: **10:51**
